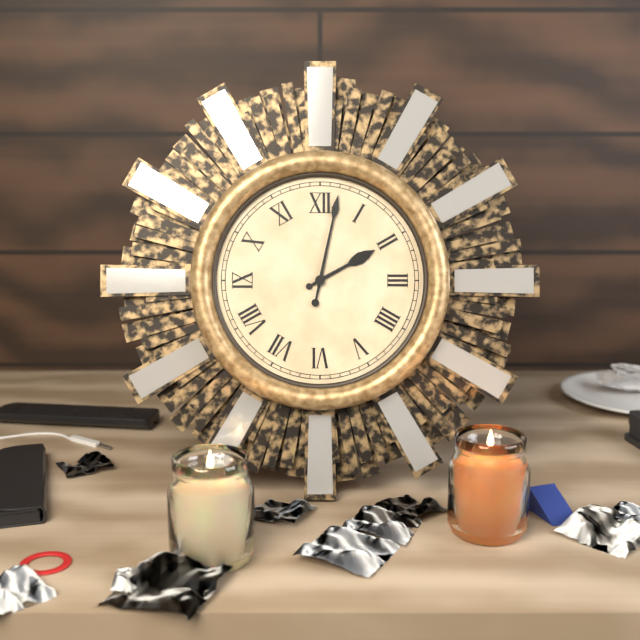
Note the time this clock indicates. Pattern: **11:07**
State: **2:02**
